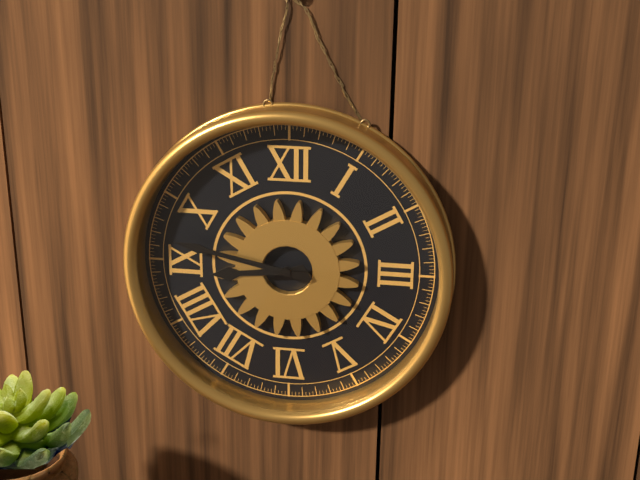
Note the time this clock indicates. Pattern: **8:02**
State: **8:47**
